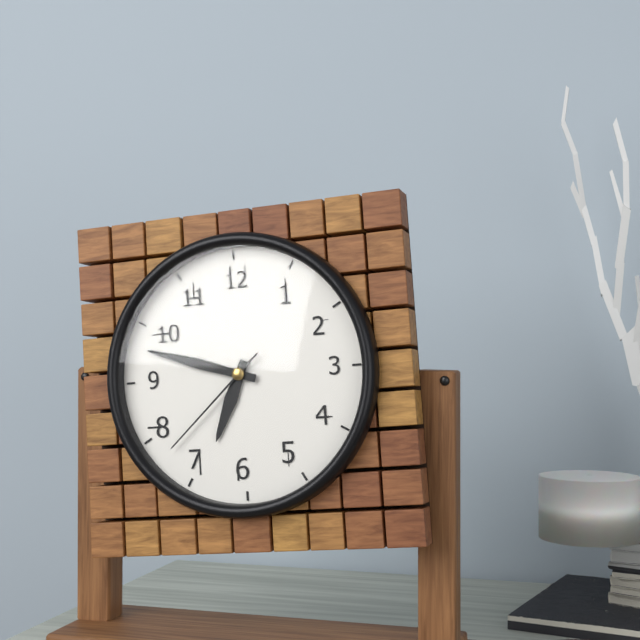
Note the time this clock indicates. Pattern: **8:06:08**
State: **6:48:38**
